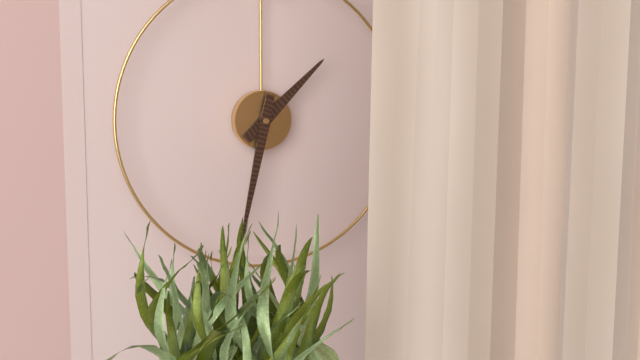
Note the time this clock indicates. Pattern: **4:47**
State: **1:32**
